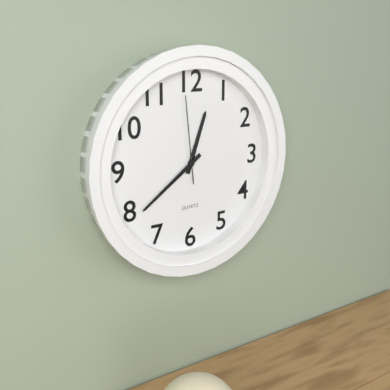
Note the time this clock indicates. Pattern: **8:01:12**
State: **12:39:59**
